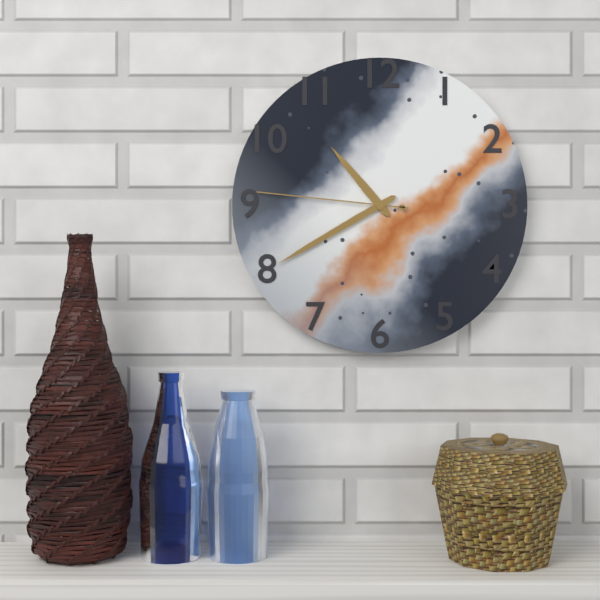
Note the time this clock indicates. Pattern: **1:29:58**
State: **10:40:46**
